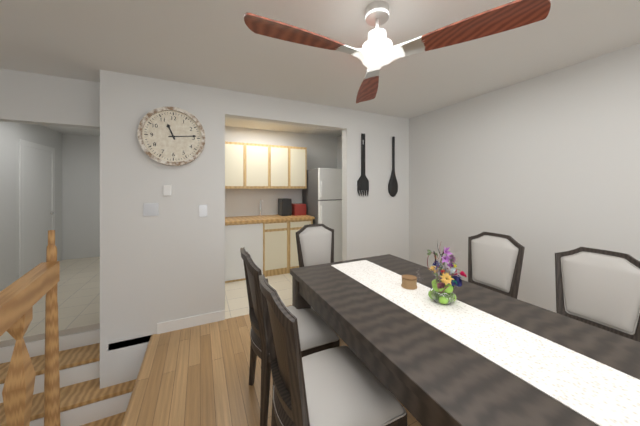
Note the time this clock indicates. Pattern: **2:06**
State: **11:14**
